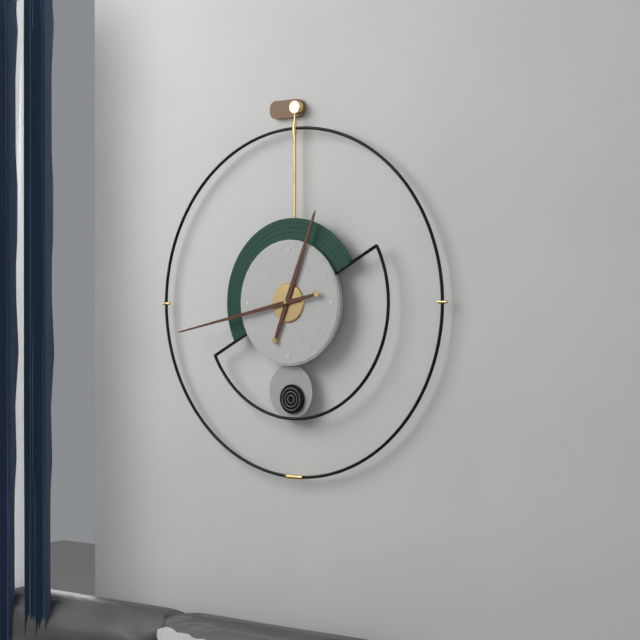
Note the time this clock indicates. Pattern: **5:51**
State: **12:43**
